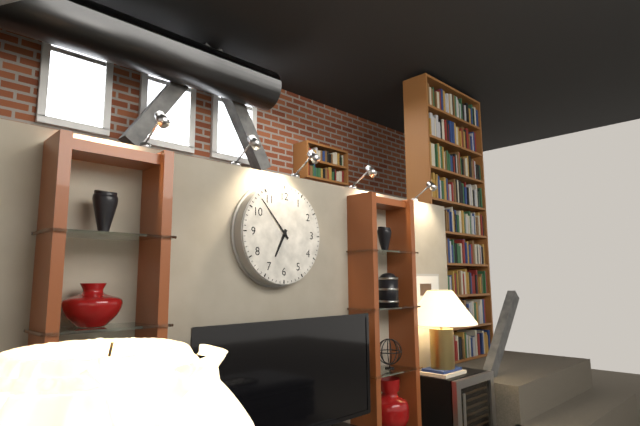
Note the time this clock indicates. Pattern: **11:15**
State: **6:53**
